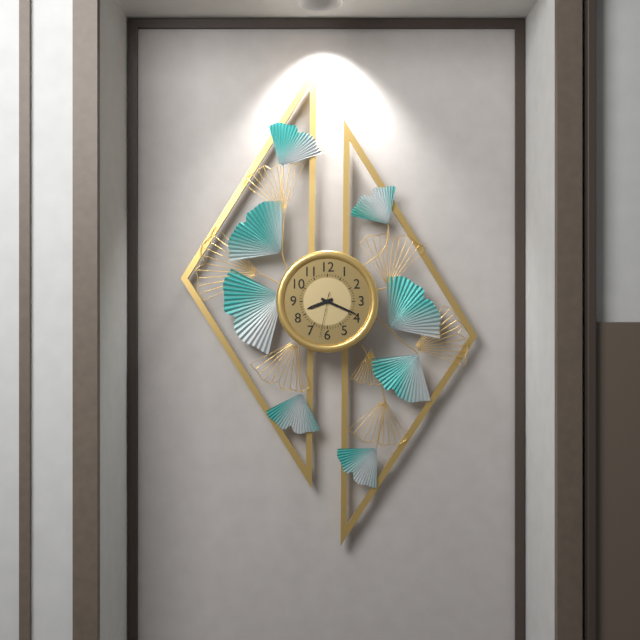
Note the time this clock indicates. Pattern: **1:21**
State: **8:19**
